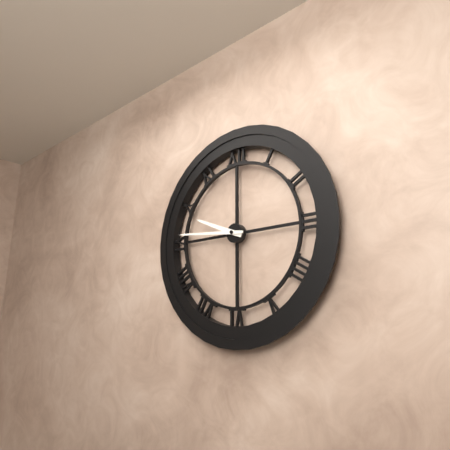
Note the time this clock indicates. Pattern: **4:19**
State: **9:46**
